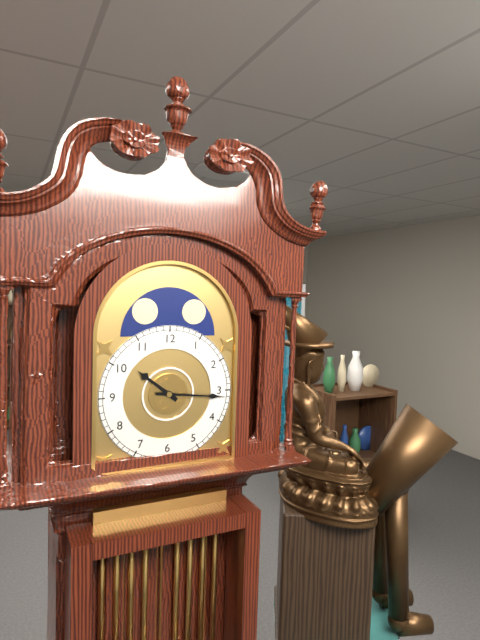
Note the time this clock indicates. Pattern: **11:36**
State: **10:16**
